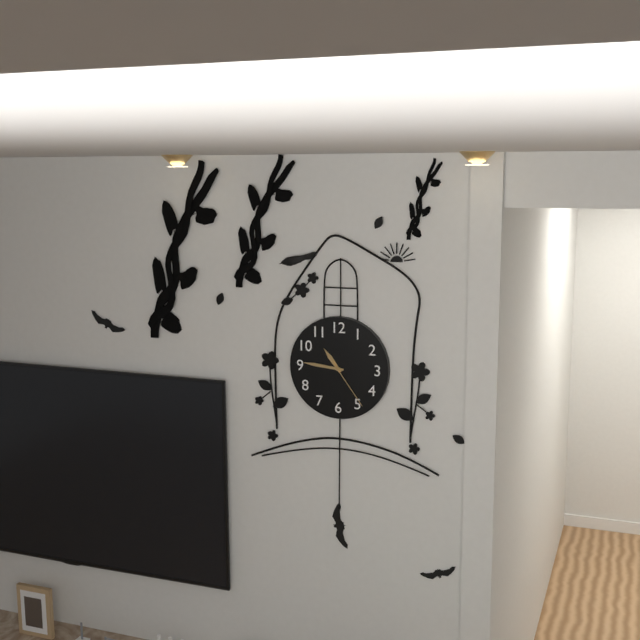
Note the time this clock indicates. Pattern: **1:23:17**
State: **10:46:24**
